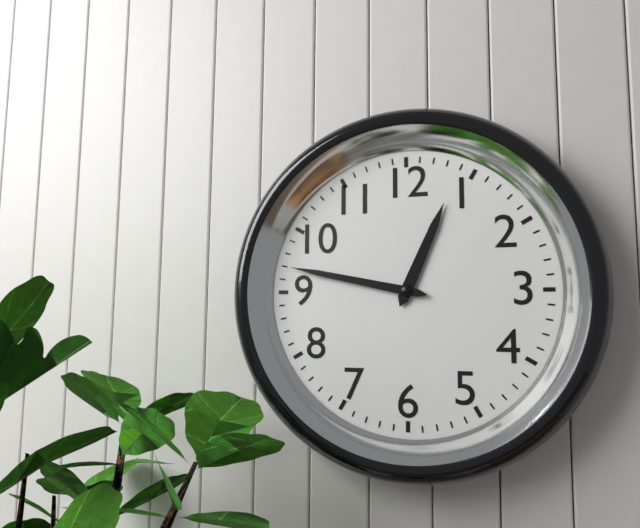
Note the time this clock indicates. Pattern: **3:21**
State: **12:47**
